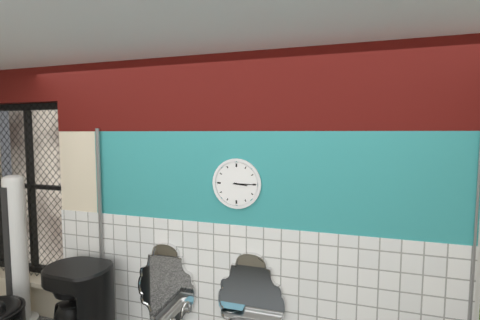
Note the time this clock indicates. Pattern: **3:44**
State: **3:15**
